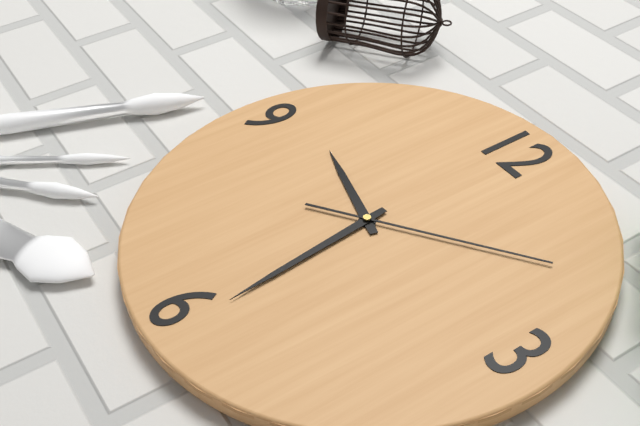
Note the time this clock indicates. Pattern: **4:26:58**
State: **9:29:09**
